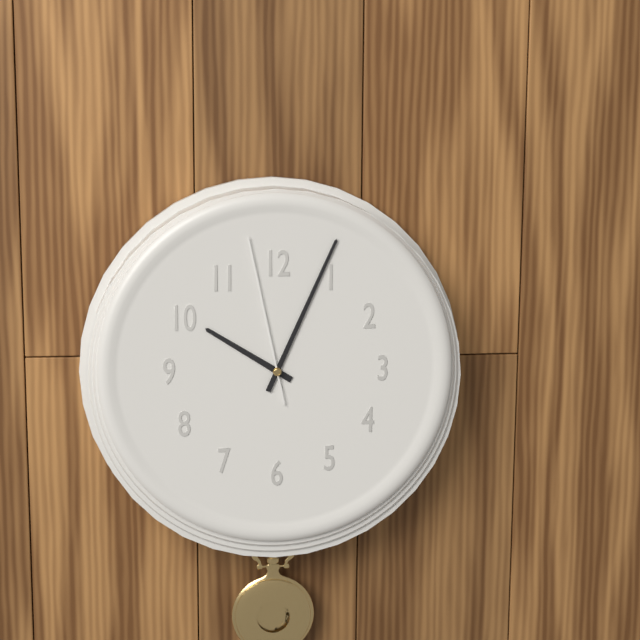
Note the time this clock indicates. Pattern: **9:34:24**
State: **10:04:58**
